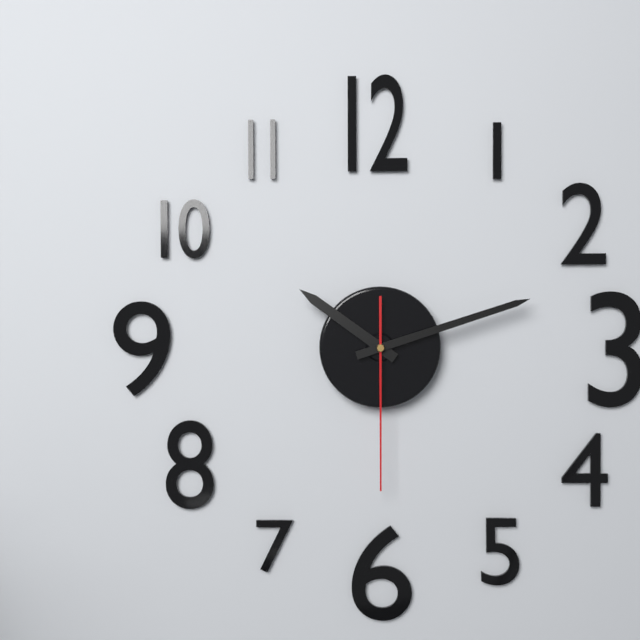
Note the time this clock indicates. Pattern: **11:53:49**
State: **10:12:30**
